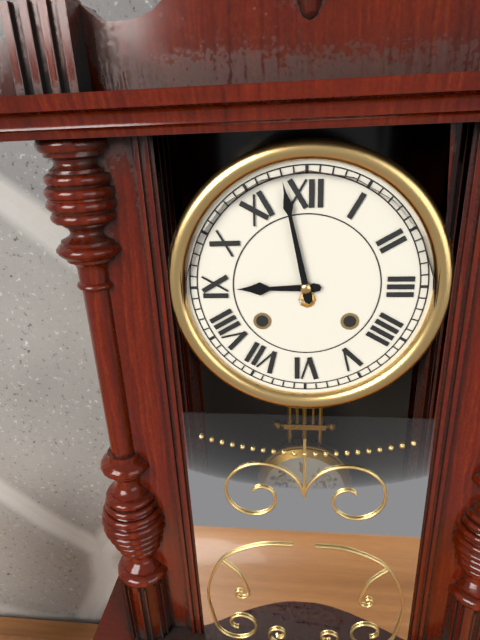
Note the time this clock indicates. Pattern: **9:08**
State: **8:58**
